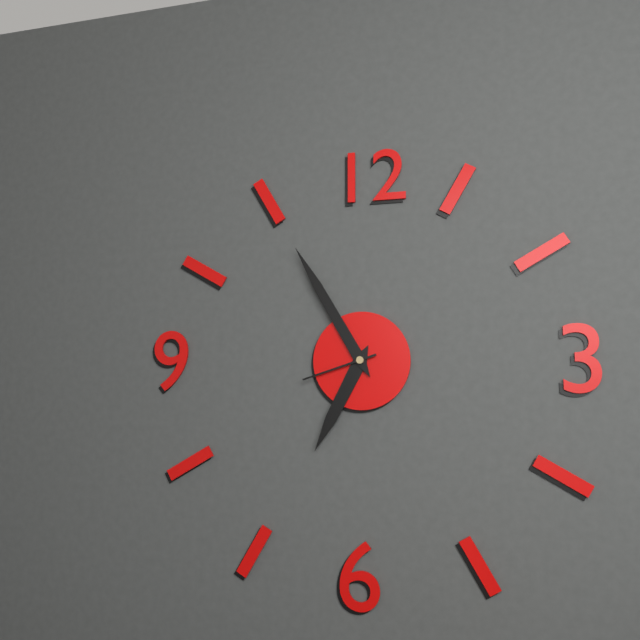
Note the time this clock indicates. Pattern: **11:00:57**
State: **6:55:42**
